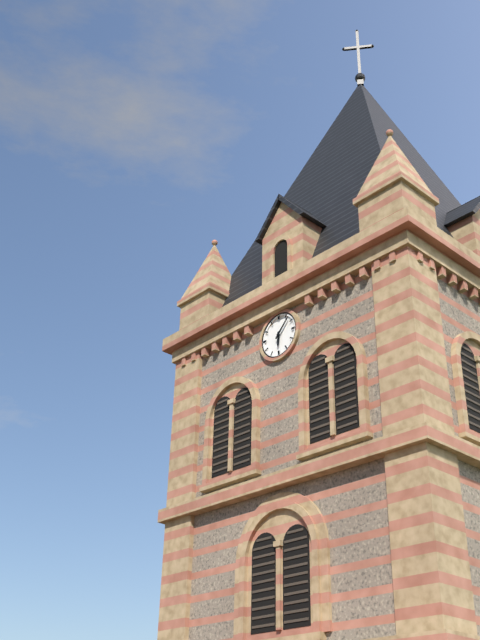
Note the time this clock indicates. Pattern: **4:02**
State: **6:07**
